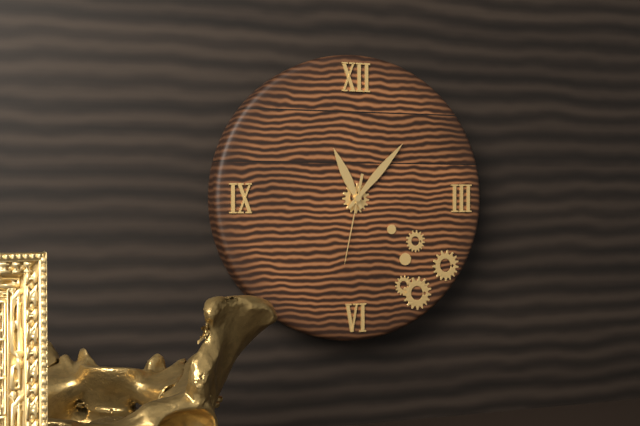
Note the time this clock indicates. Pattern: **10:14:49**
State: **11:07:32**
